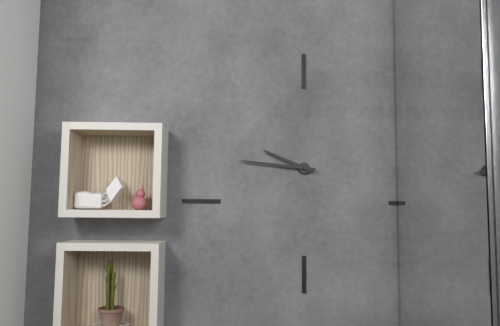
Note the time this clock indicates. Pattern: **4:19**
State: **9:46**
